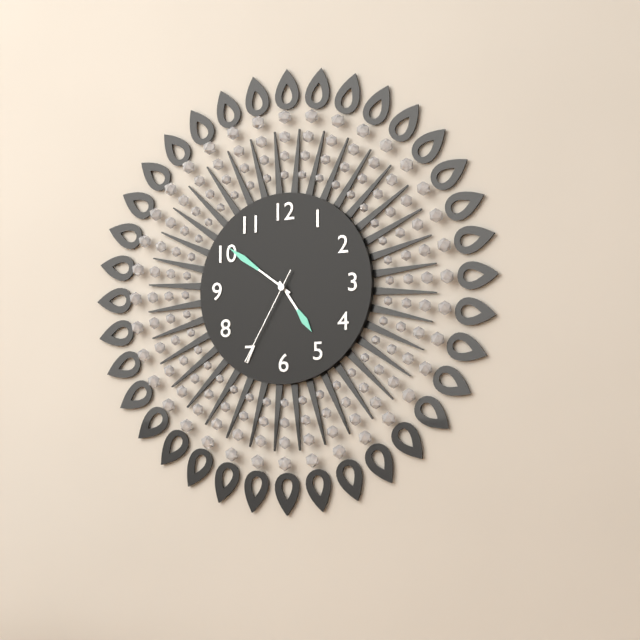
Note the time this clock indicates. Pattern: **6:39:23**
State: **4:51:35**
